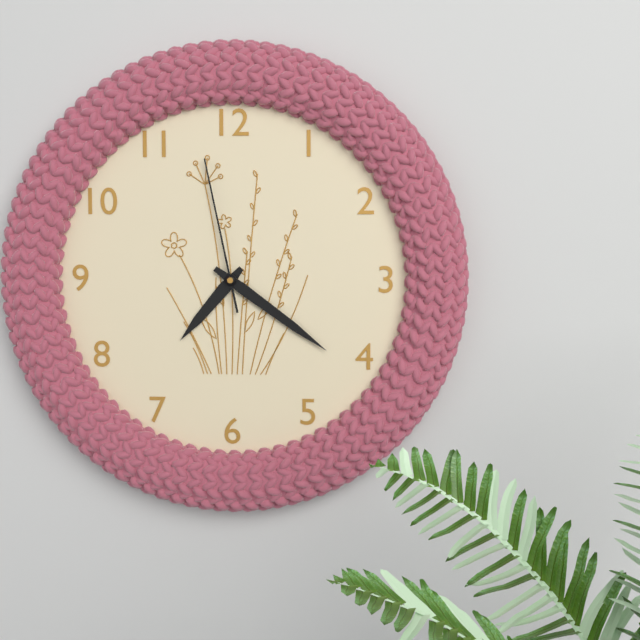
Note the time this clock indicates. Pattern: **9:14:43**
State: **7:21:58**
